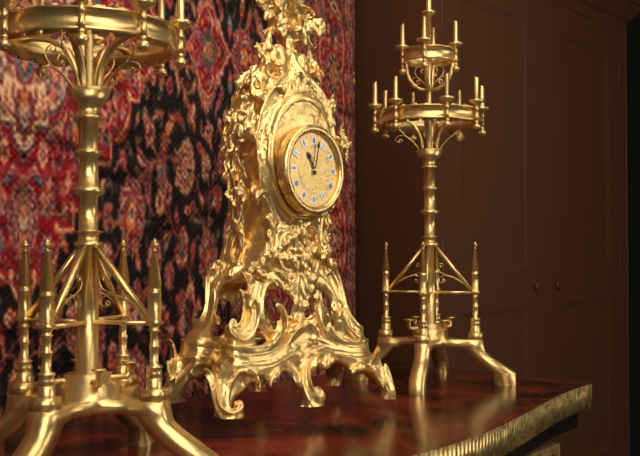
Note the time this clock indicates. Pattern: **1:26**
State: **11:02**
